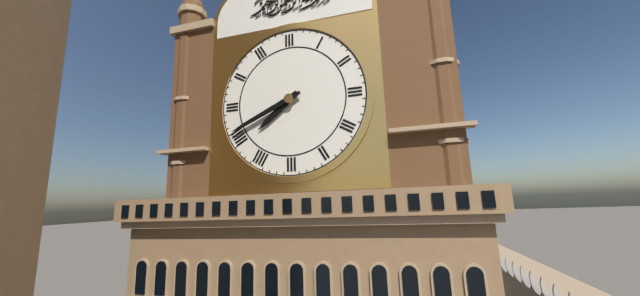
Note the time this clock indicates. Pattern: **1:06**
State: **7:41**
